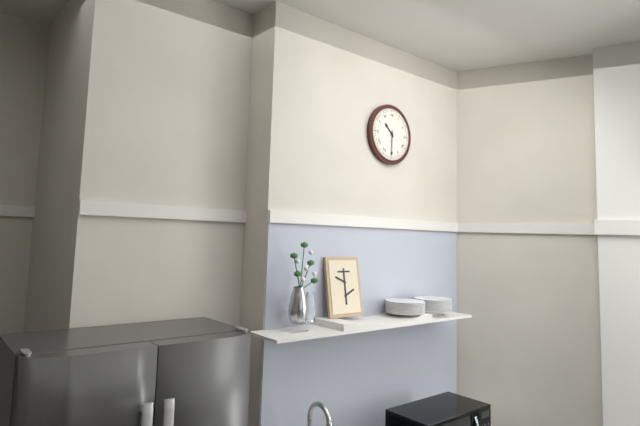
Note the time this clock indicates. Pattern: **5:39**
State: **10:30**
